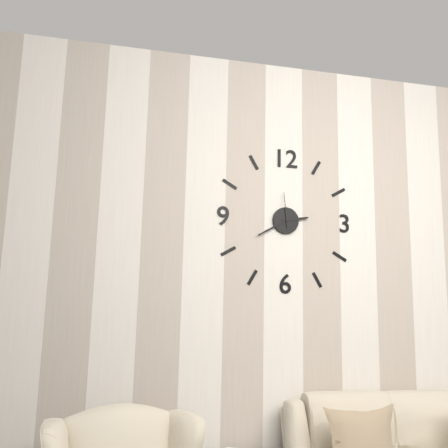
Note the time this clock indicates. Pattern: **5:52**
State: **2:40**
